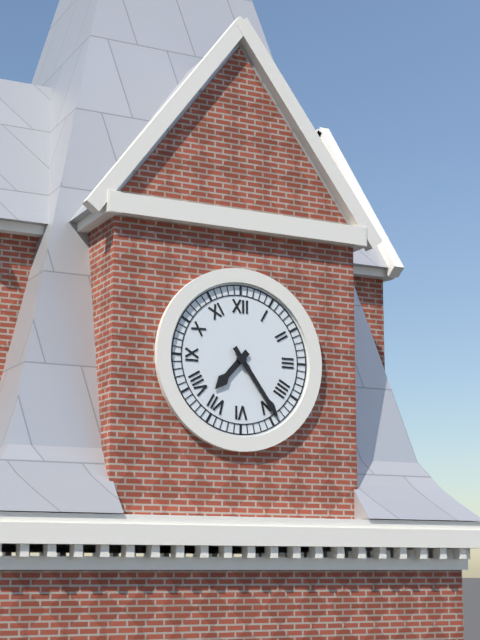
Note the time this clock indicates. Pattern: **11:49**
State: **7:24**
